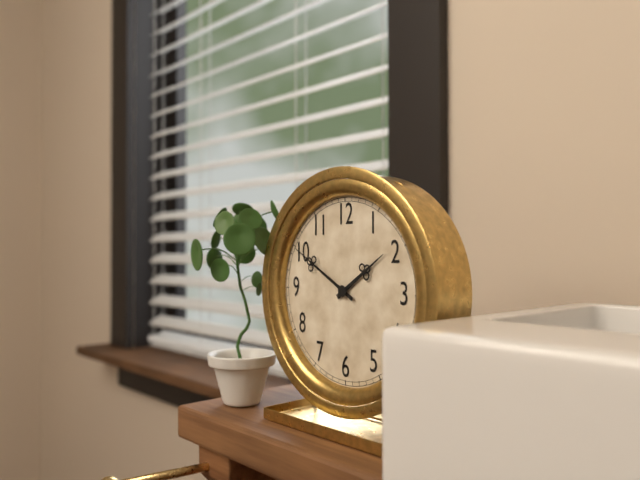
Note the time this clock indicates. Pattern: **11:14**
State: **1:50**
